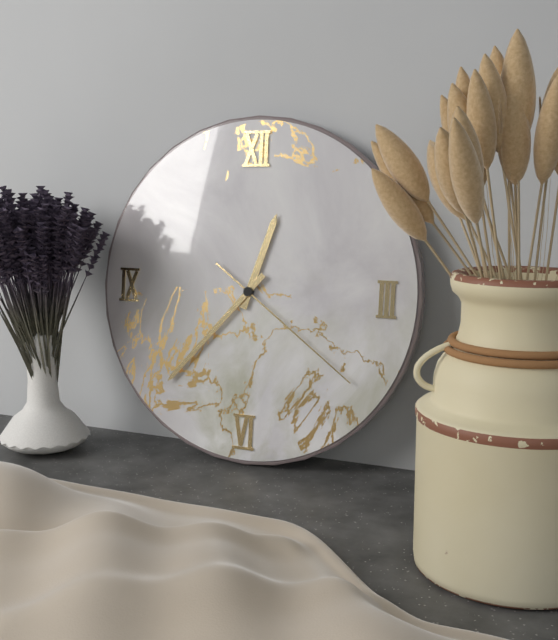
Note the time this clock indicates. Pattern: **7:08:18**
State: **12:37:21**
